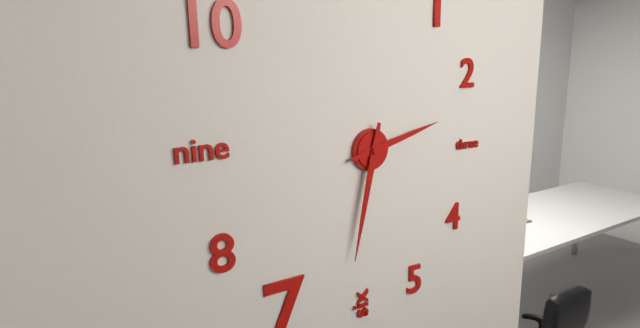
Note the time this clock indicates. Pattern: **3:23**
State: **2:32**
